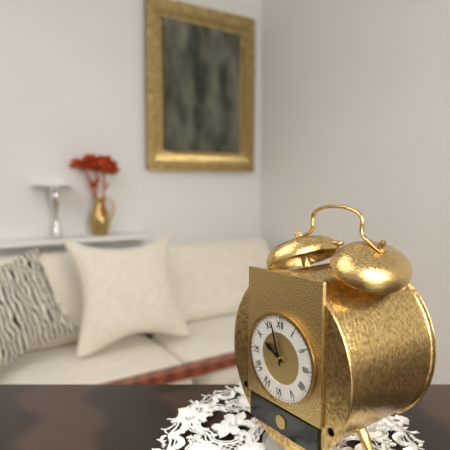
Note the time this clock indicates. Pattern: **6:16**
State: **9:57**
